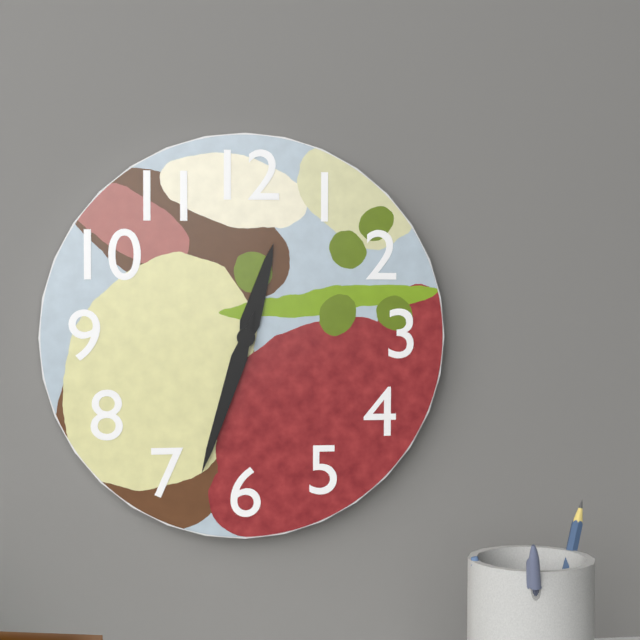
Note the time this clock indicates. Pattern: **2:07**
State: **12:33**
